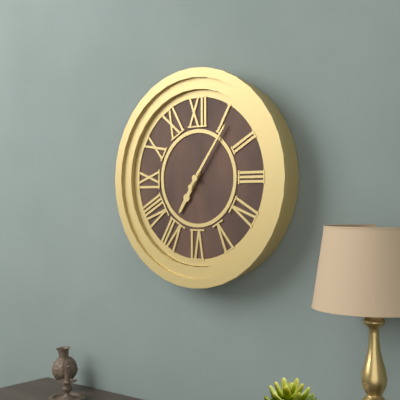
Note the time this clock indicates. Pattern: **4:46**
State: **7:06**
